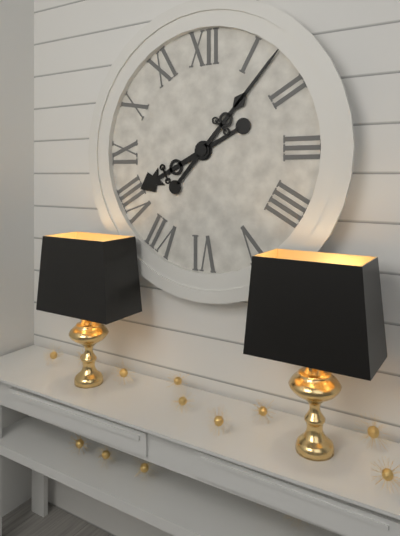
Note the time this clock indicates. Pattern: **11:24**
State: **8:07**
